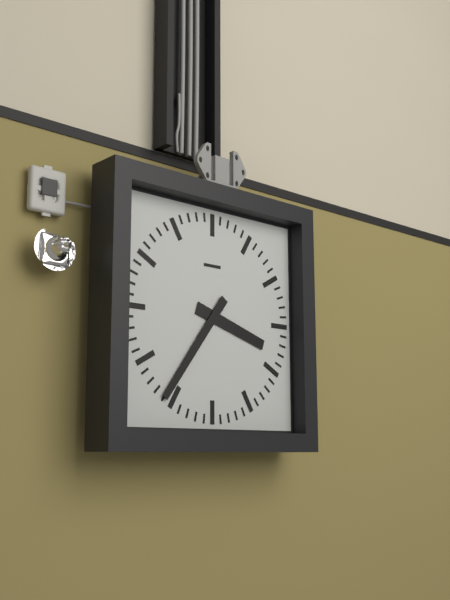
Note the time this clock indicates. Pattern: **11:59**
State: **3:36**
